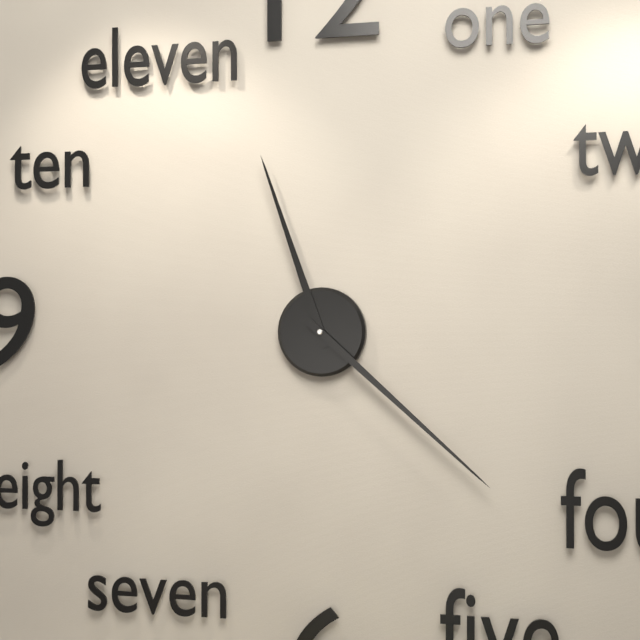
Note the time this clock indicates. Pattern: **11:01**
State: **11:22**
